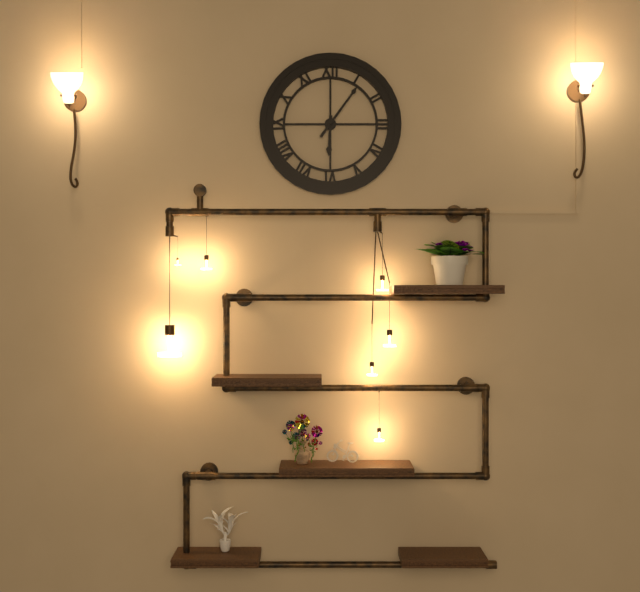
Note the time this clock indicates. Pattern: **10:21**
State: **6:06**
